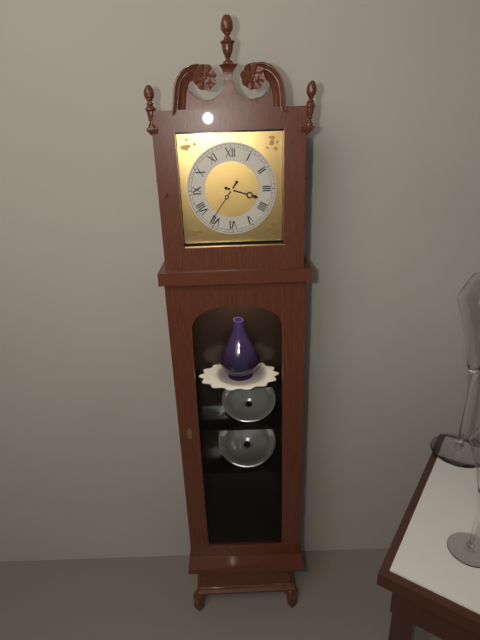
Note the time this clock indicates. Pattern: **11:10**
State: **3:36**
